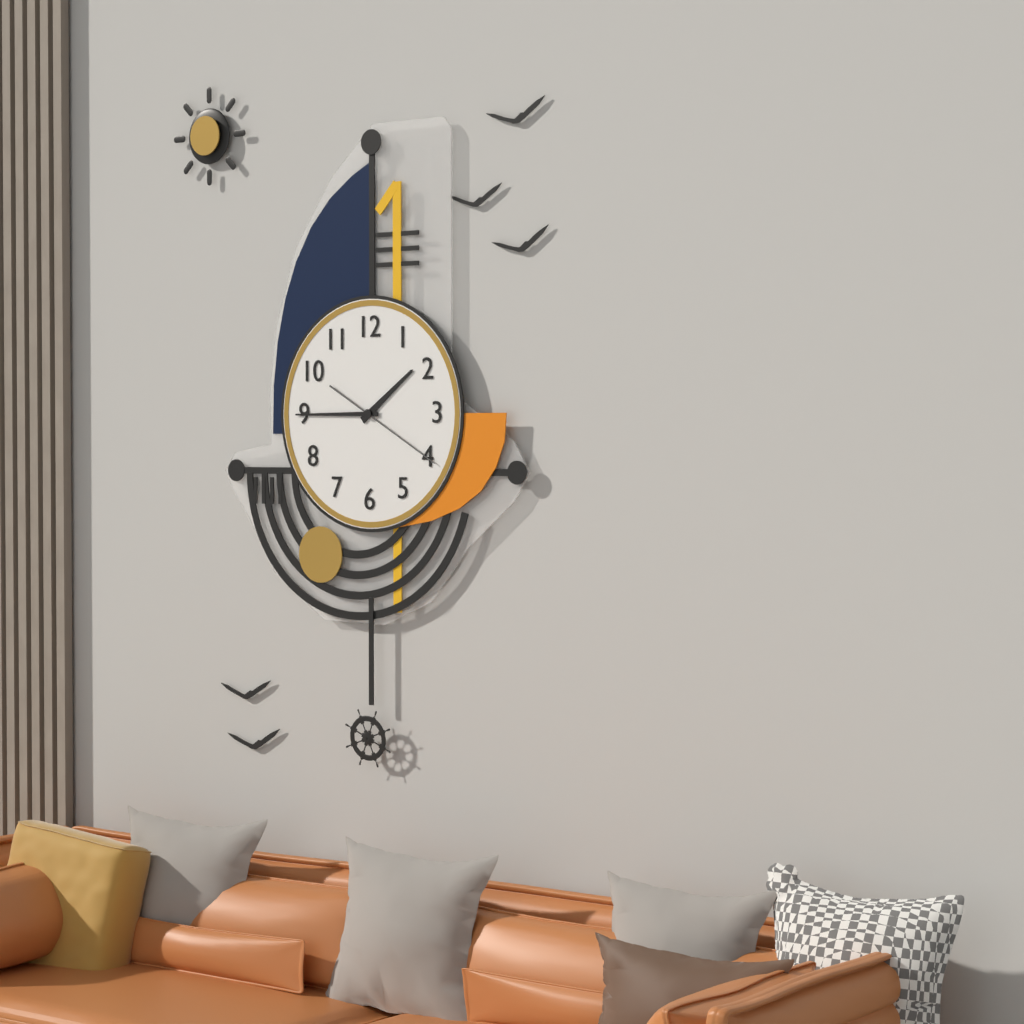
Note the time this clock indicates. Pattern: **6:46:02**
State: **1:45:20**
